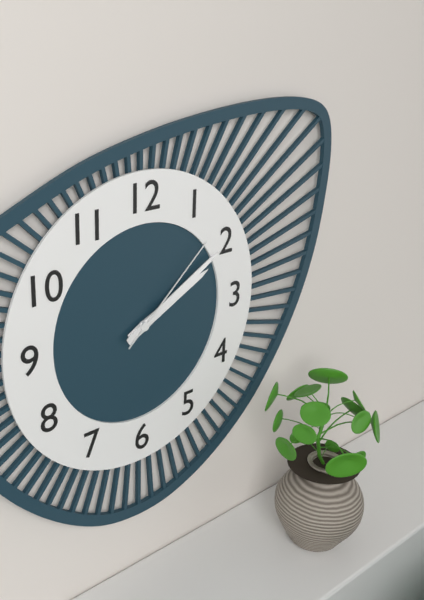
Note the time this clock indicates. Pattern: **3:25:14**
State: **2:10:08**
